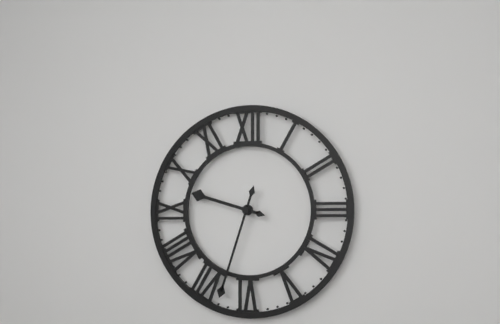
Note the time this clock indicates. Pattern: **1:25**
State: **9:33**
